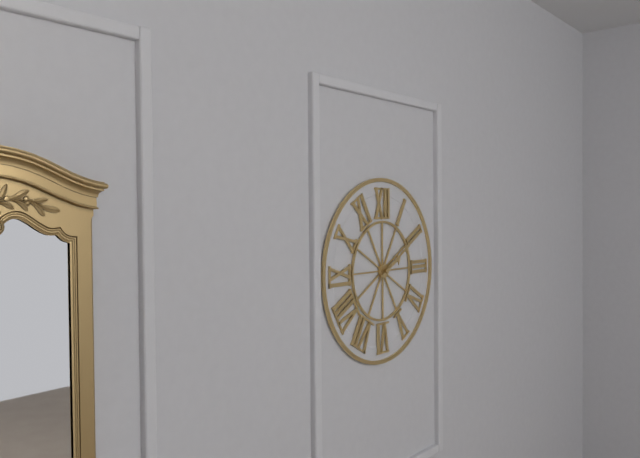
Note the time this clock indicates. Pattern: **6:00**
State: **2:10**
